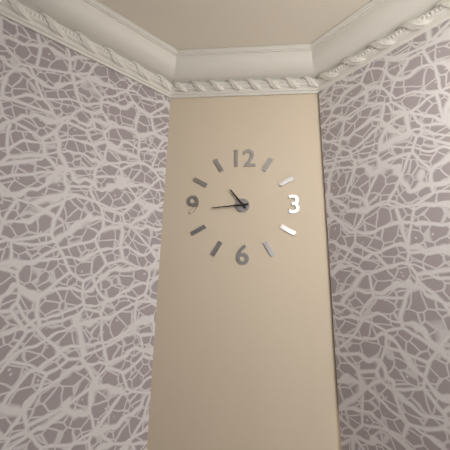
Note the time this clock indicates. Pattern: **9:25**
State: **10:44**
